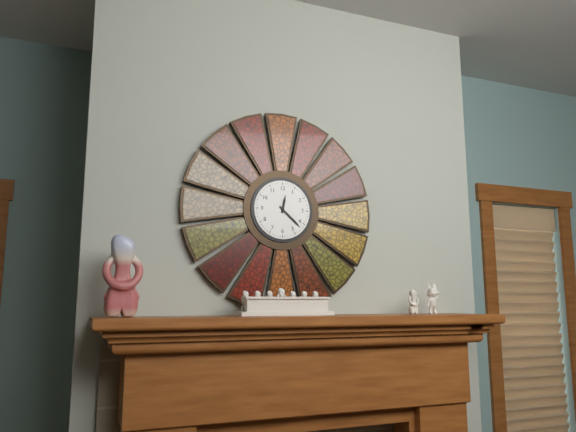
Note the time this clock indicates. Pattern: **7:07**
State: **12:22**
